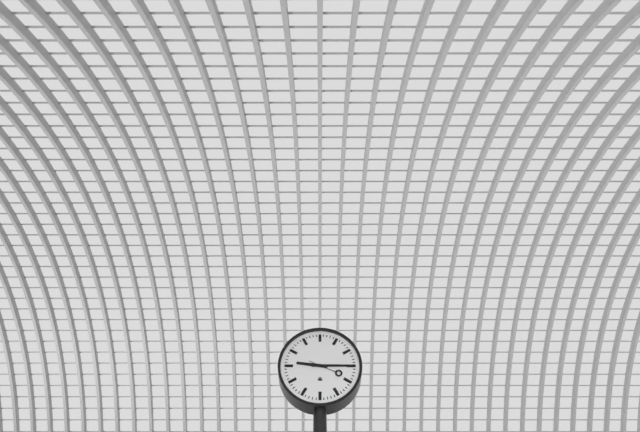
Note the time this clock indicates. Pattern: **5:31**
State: **9:15**
